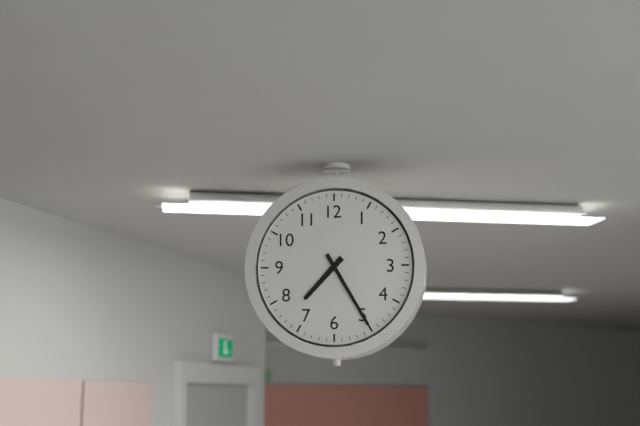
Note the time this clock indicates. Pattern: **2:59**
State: **7:25**
